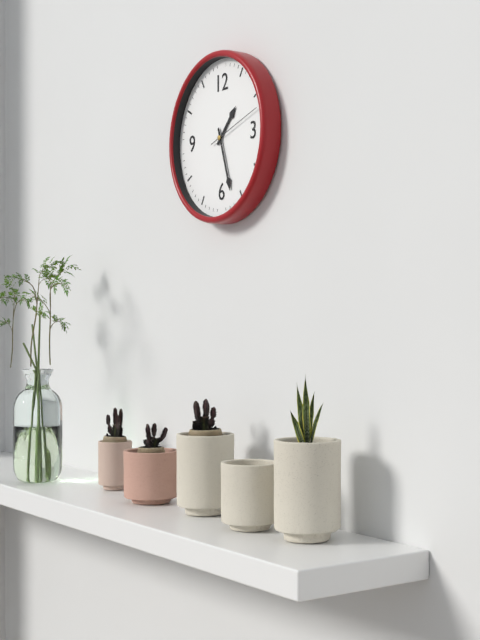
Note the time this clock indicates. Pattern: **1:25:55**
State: **1:27:12**
